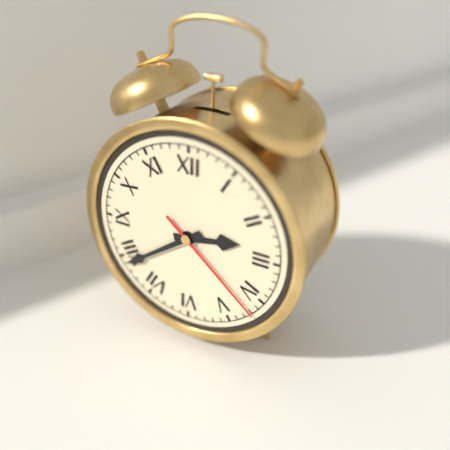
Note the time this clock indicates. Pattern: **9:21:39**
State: **2:39:22**
